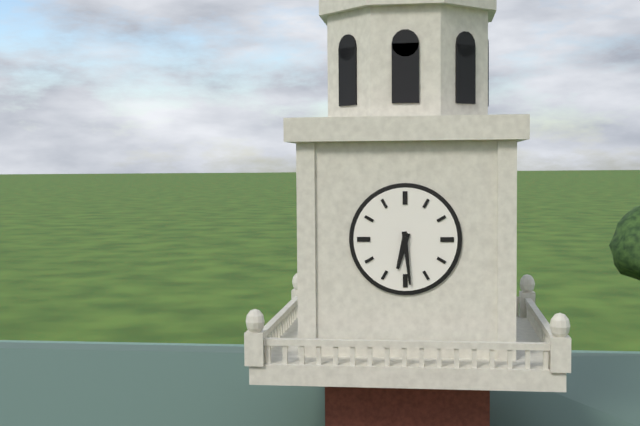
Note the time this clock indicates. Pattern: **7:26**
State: **6:29**
